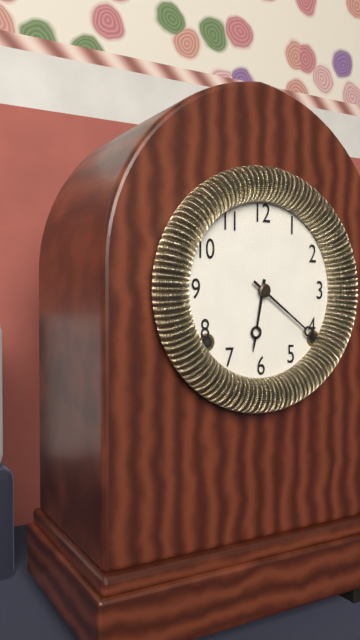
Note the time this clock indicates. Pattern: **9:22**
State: **6:21**
